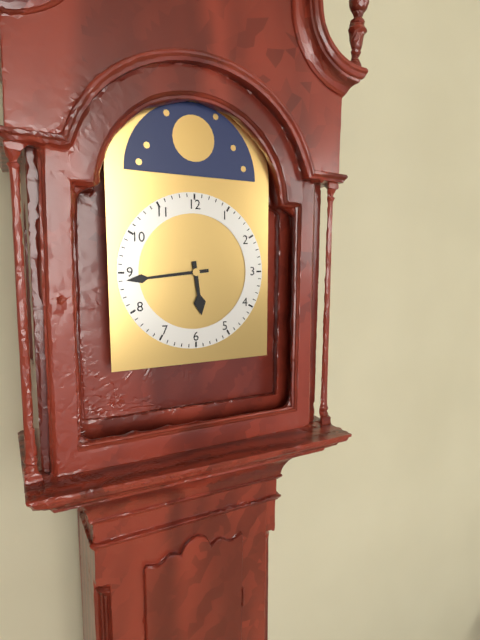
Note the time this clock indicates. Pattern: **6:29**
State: **5:44**
